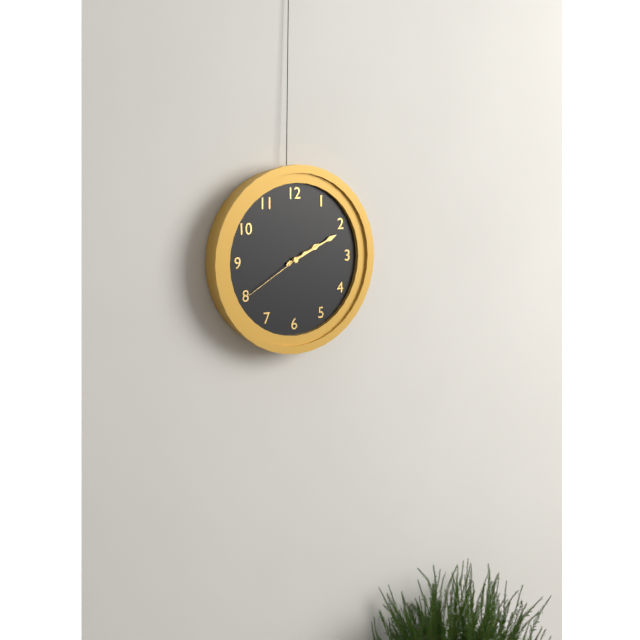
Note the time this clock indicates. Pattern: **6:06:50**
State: **2:11:40**
